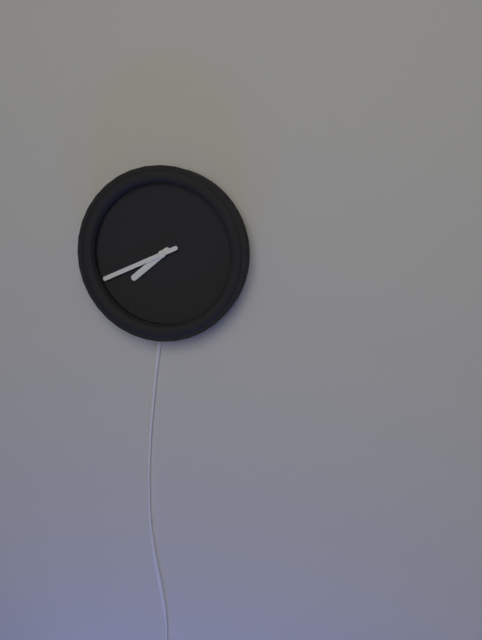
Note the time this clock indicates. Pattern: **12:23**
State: **7:41**
